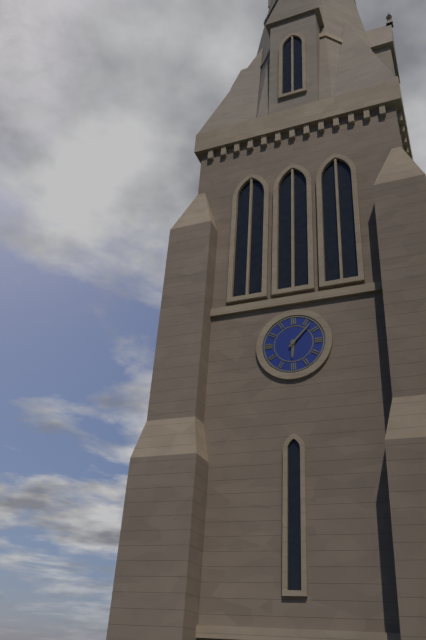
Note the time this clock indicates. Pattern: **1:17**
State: **6:07**
